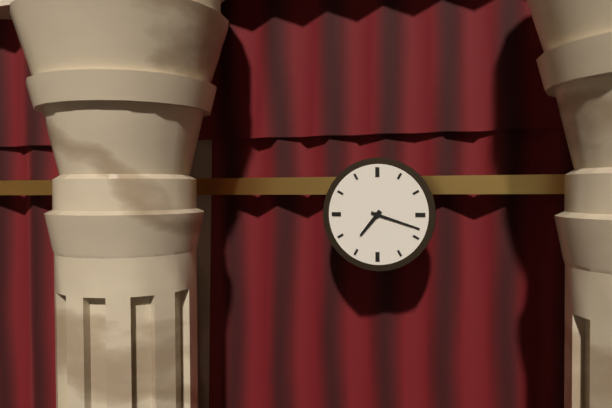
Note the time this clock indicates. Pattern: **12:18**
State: **7:18**
